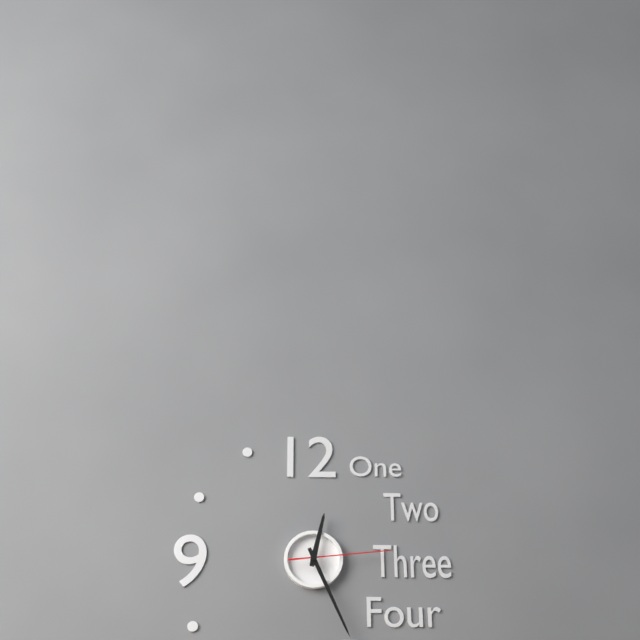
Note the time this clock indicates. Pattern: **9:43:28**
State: **12:26:14**
